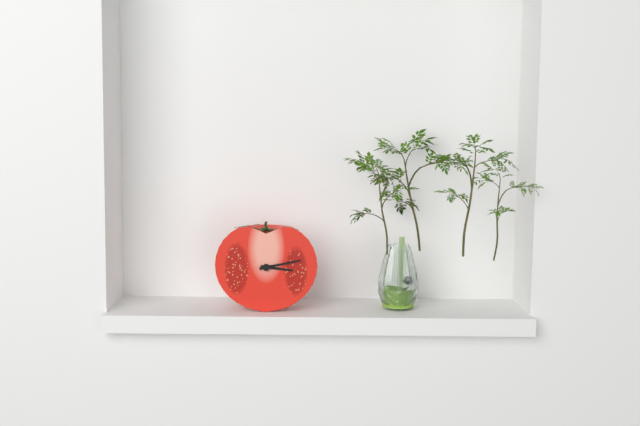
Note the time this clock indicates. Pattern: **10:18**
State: **3:13**
